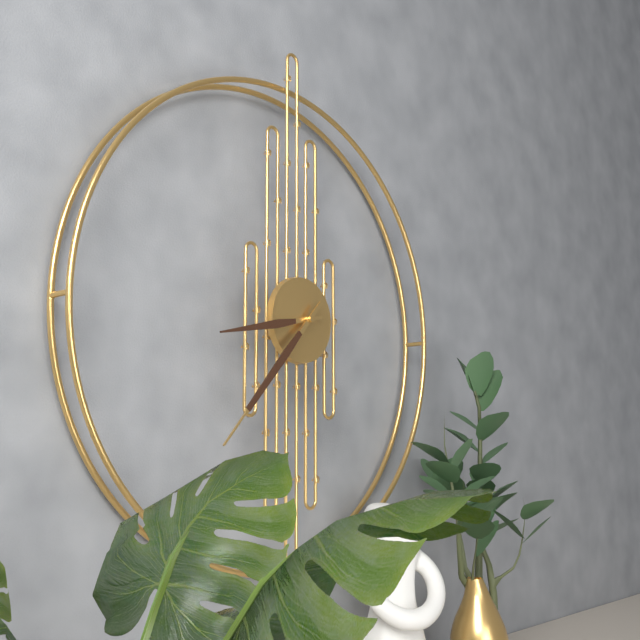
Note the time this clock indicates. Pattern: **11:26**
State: **8:37**
